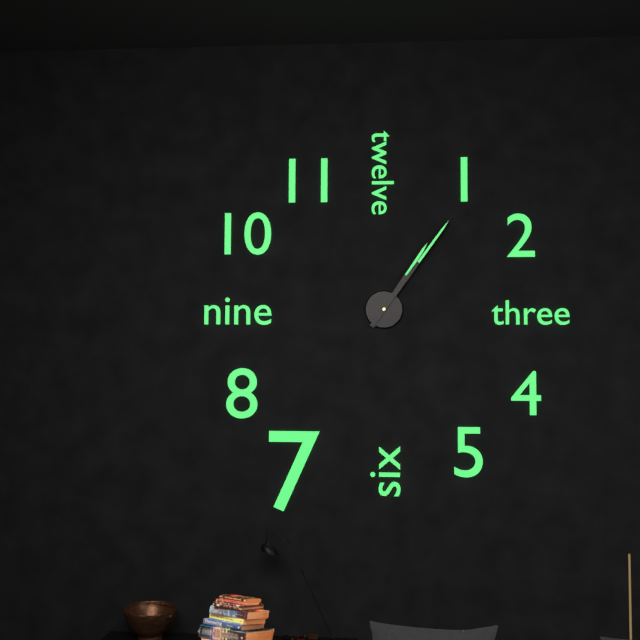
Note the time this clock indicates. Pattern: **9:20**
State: **1:06**
